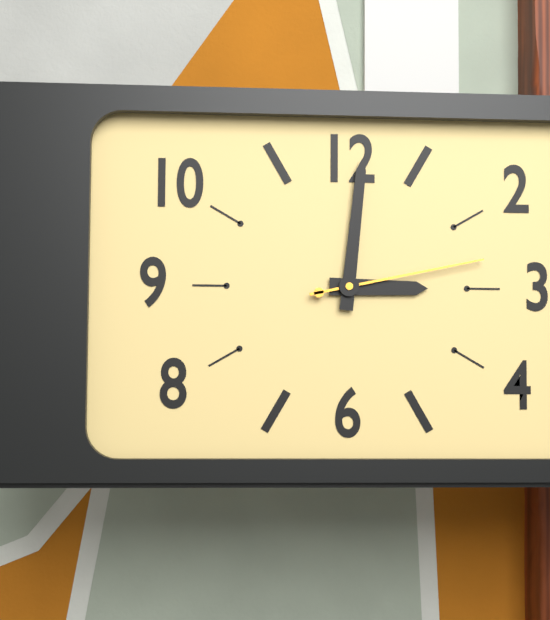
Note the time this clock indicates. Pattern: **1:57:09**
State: **3:01:13**
